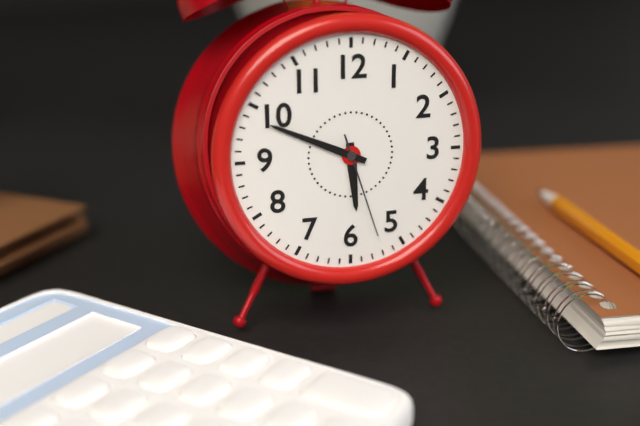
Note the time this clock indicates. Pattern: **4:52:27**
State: **5:49:27**
